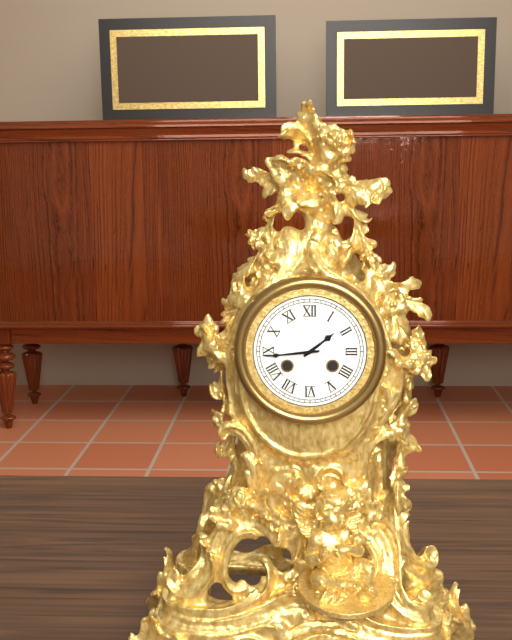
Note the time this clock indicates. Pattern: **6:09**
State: **1:44**
